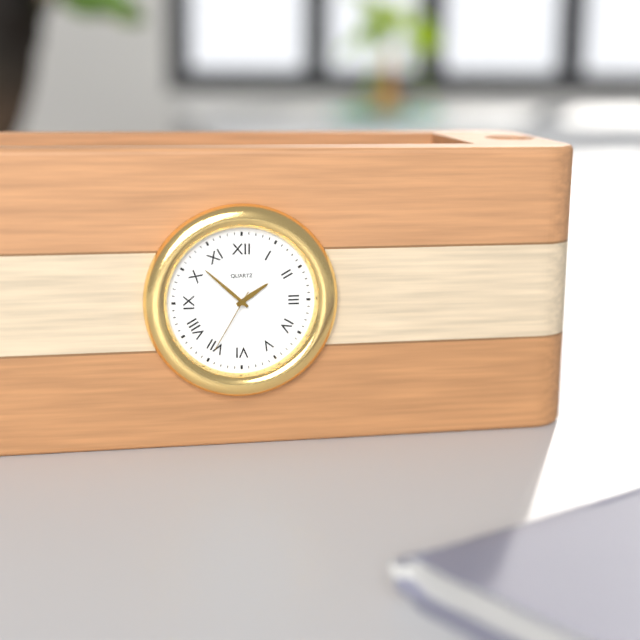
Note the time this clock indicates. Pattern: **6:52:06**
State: **1:52:35**
